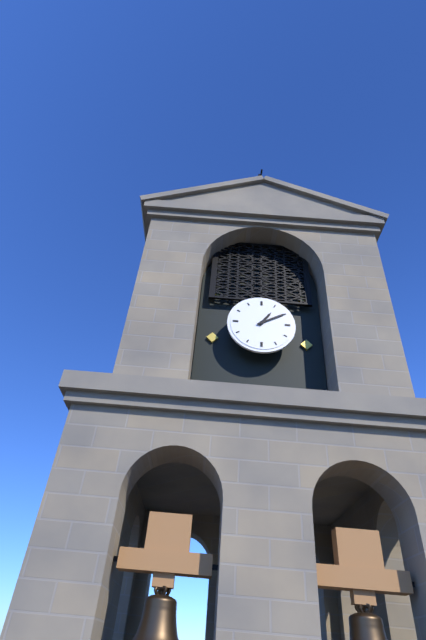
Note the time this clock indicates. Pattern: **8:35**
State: **1:10**
